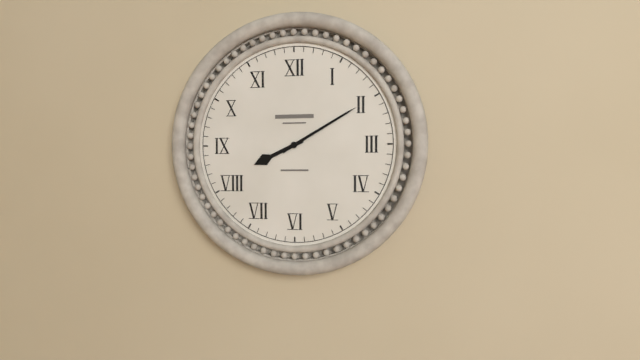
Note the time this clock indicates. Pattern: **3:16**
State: **8:10**
